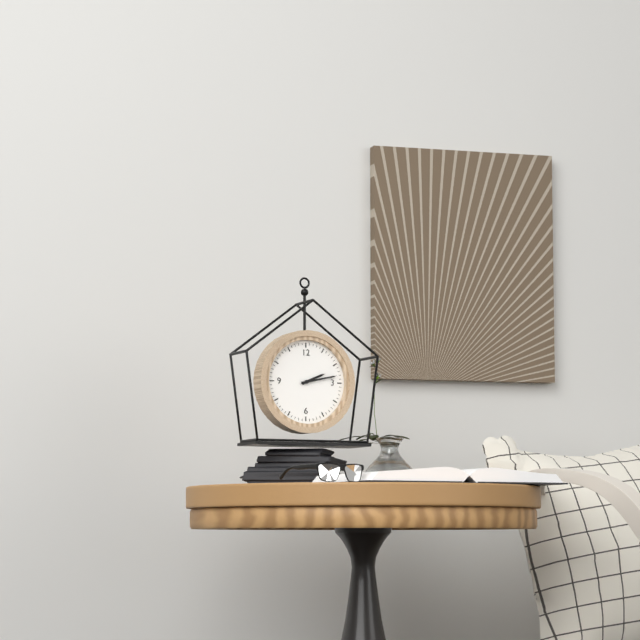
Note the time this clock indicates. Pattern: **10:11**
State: **2:13**
